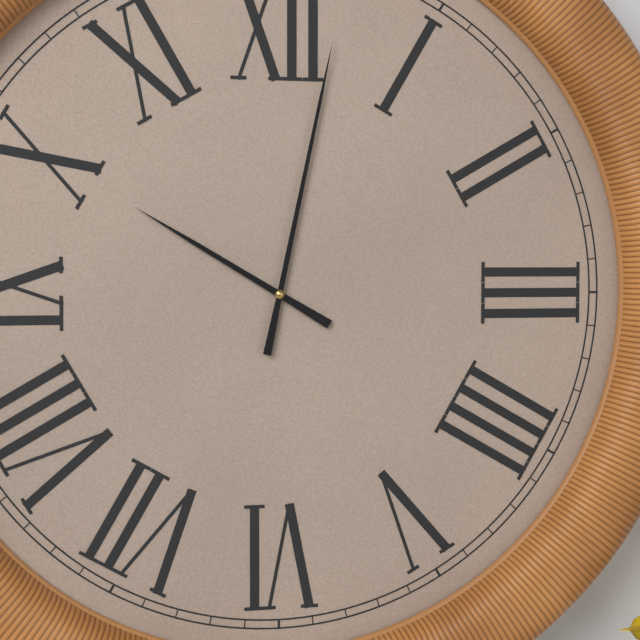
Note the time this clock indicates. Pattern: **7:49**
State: **10:02**
